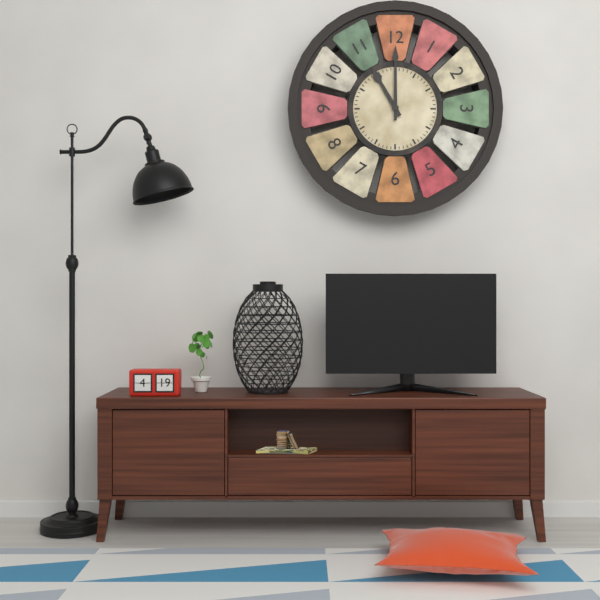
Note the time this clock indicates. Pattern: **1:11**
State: **11:00**
